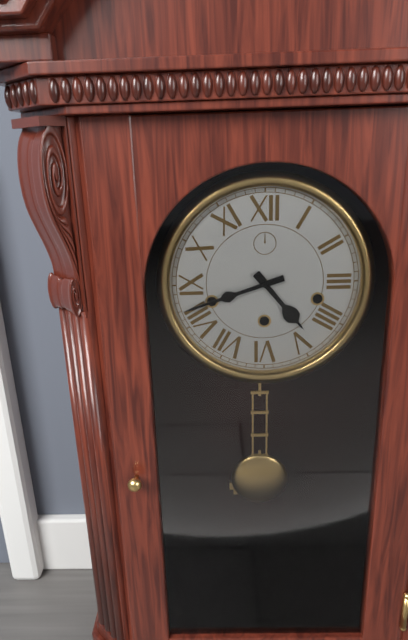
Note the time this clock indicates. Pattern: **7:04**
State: **4:42**
